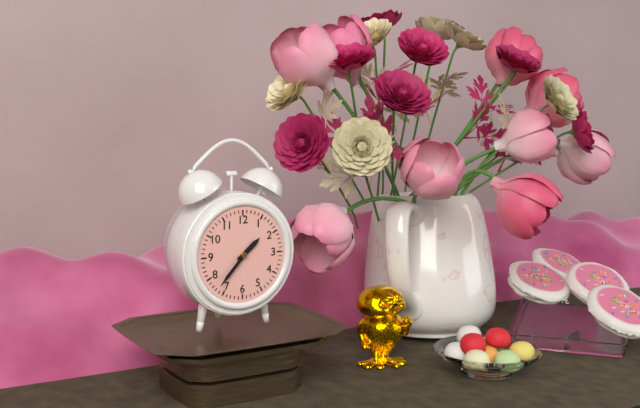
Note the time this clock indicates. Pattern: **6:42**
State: **1:37**
